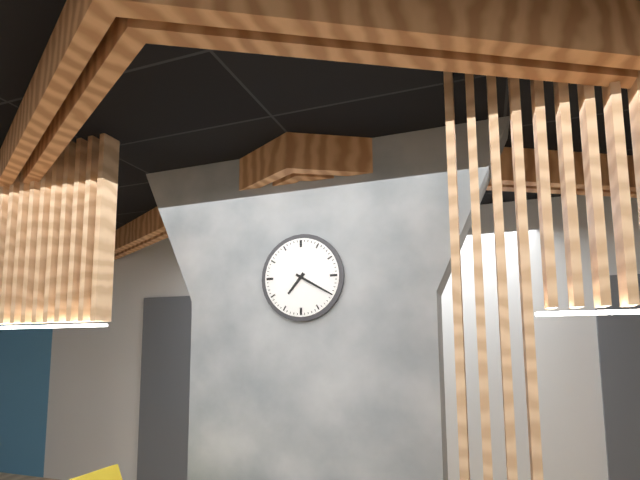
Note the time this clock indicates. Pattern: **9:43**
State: **7:20**
